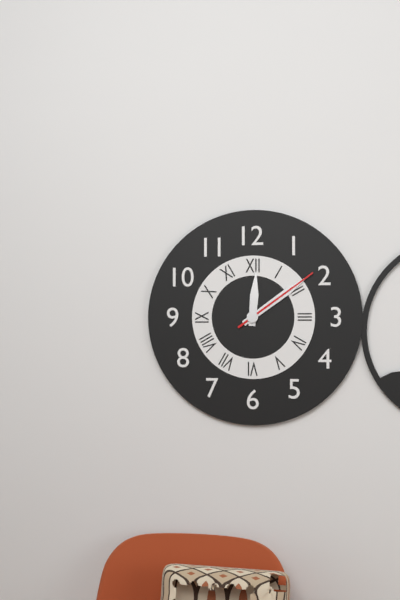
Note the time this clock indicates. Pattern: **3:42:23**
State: **12:09:09**
